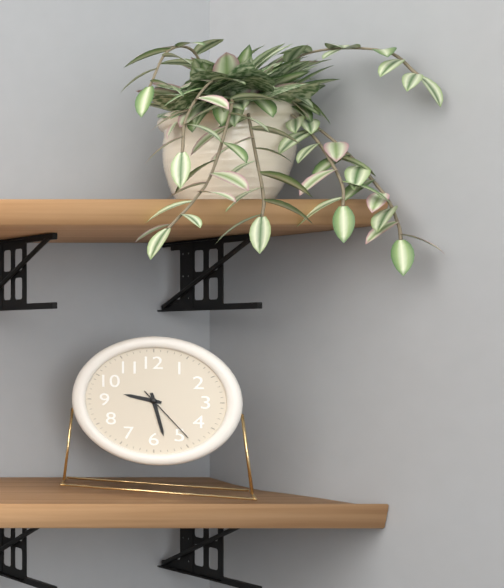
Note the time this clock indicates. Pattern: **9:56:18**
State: **9:28:24**
